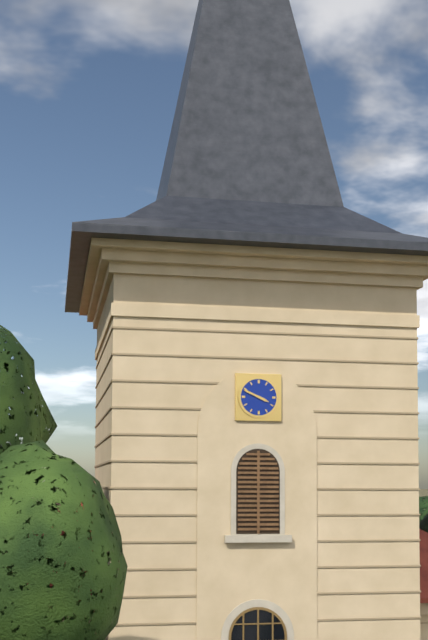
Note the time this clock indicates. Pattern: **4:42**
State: **3:49**
